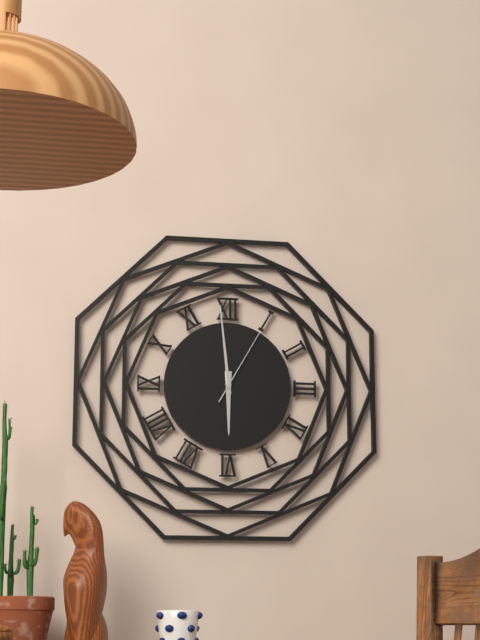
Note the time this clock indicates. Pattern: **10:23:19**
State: **5:59:05**
